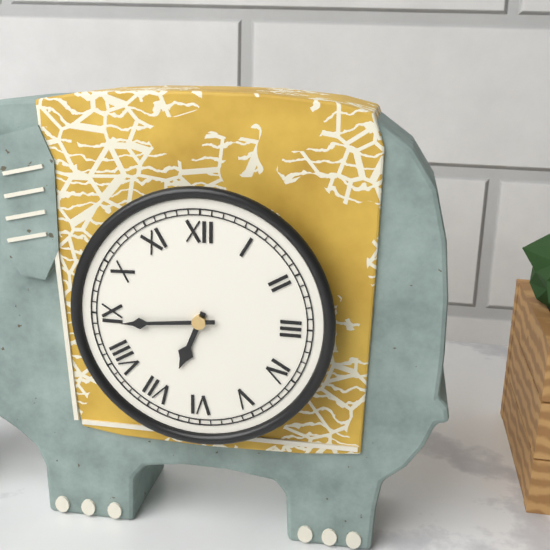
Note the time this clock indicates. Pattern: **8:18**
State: **6:44**
